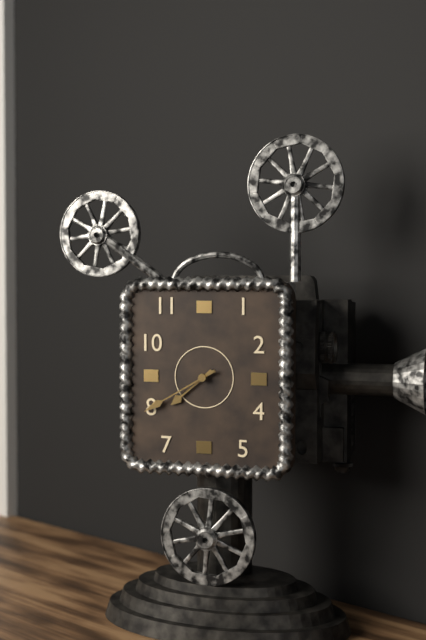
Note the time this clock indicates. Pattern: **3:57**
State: **7:40**
